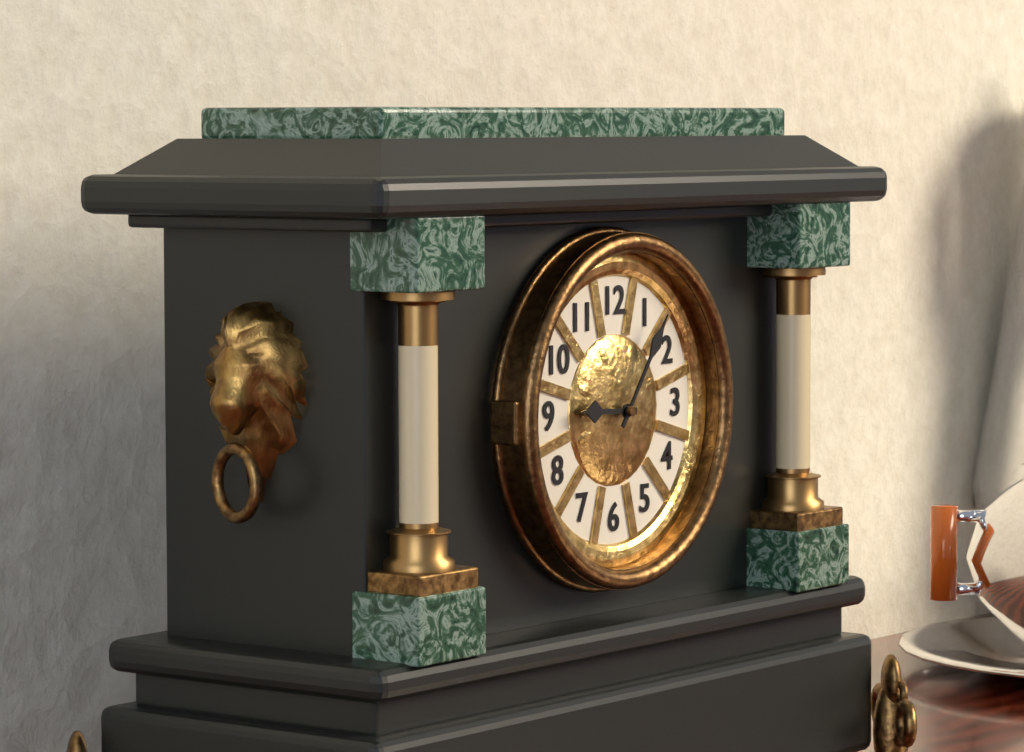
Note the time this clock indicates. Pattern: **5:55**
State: **9:06**
